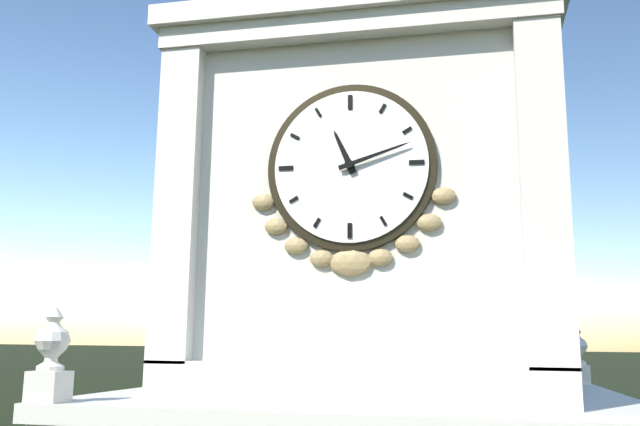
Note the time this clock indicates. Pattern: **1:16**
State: **11:12**
